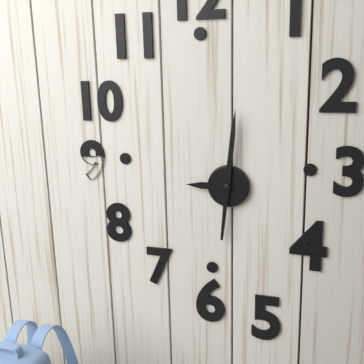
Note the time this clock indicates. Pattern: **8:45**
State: **9:01**
